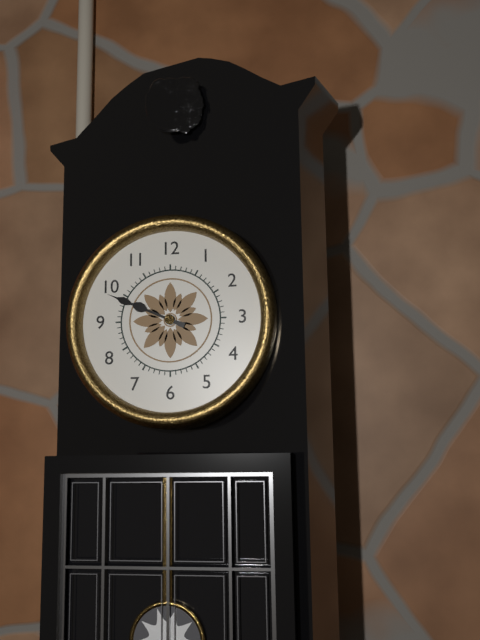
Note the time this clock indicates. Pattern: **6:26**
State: **9:49**
